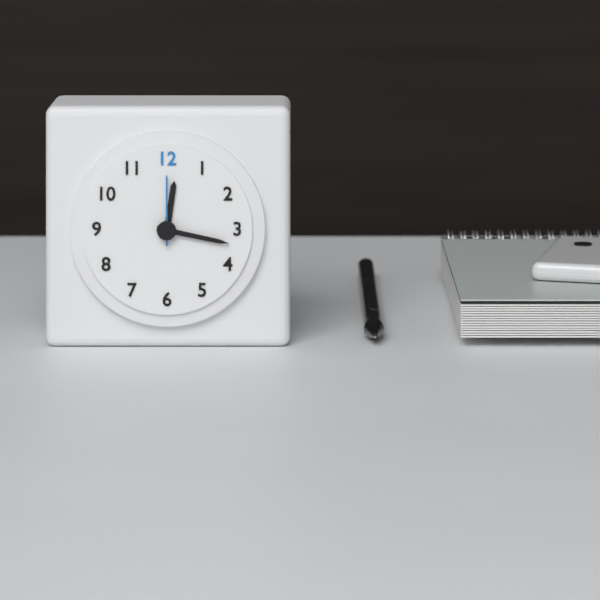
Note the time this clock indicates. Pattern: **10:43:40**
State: **12:17:00**
